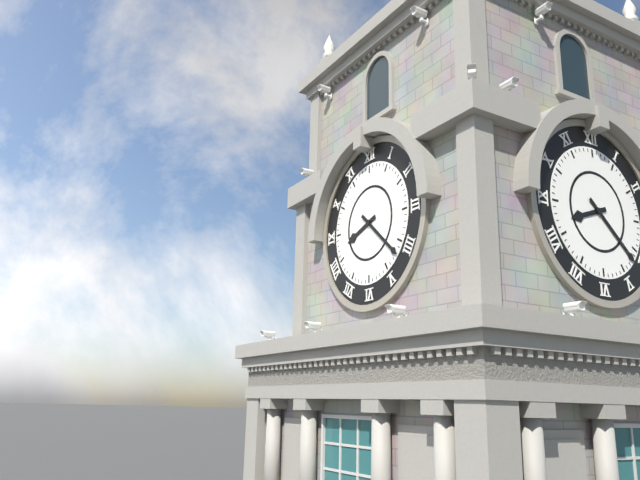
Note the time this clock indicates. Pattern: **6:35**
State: **8:22**
